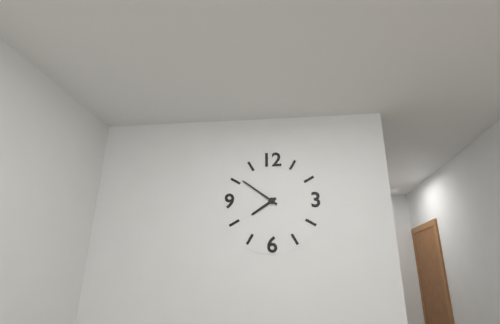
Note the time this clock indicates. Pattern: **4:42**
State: **7:51**
